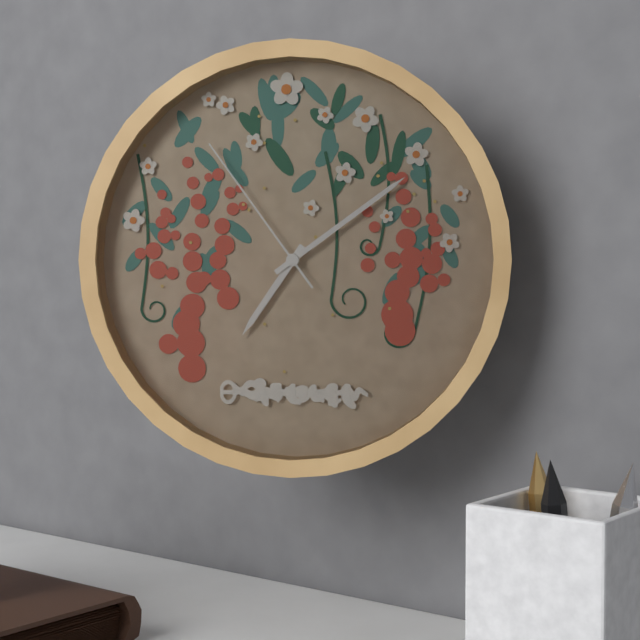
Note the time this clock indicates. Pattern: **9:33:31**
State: **7:09:54**
